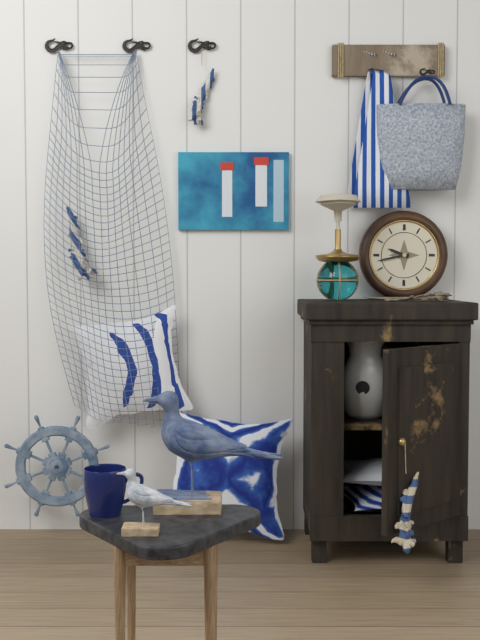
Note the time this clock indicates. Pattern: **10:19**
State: **9:43**
